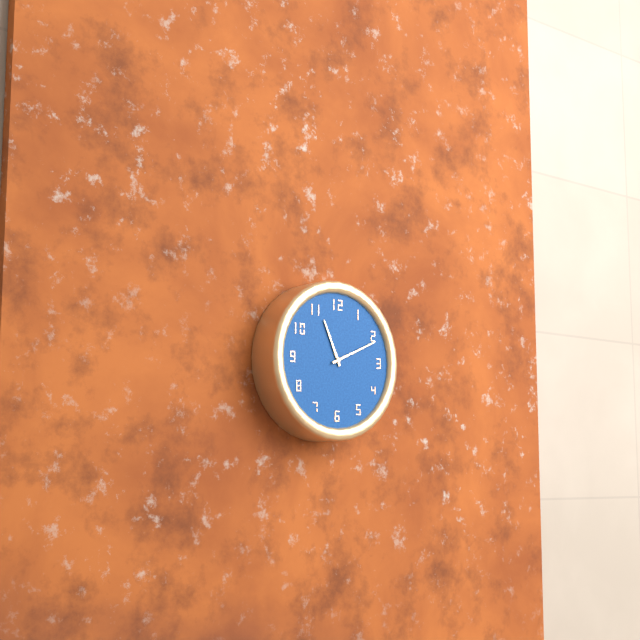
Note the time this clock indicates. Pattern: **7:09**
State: **11:11**
